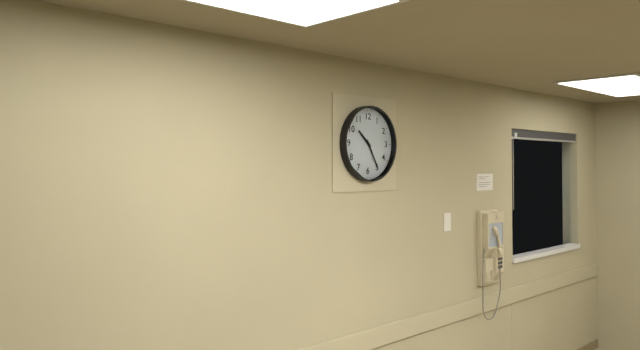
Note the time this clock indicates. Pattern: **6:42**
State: **10:25**
